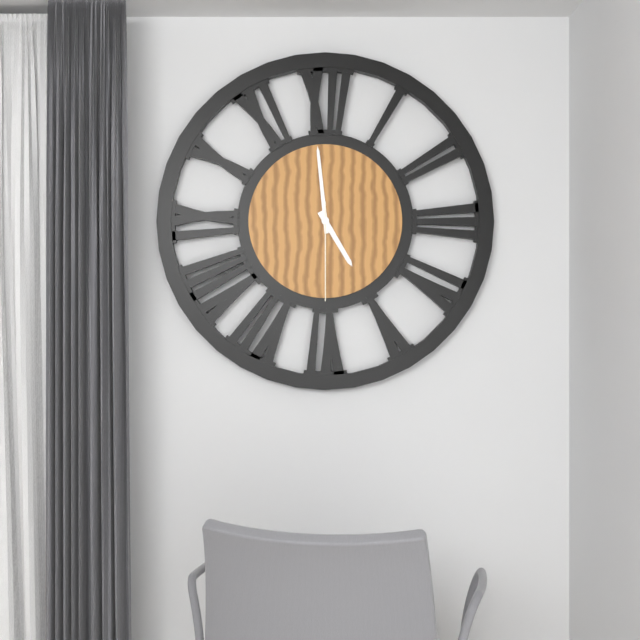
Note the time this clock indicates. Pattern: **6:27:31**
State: **4:59:30**
